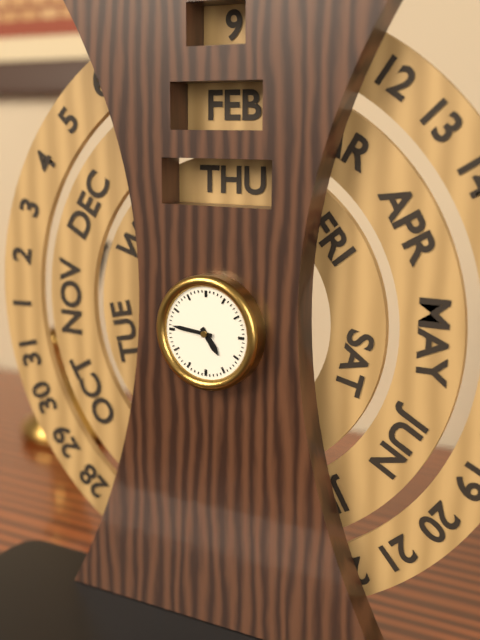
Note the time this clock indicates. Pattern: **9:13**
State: **4:46**
